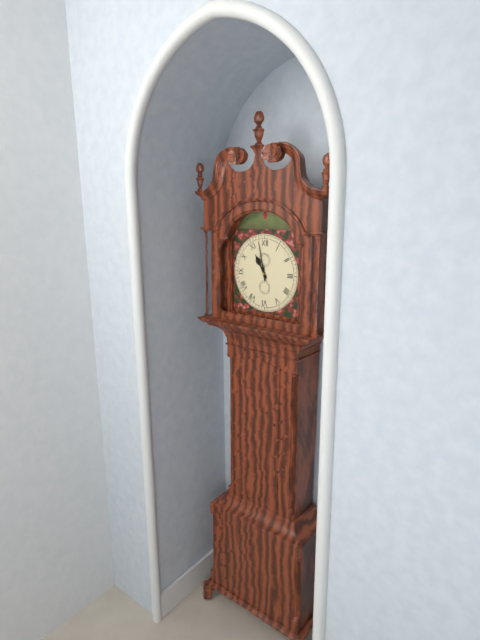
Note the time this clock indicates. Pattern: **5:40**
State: **10:58**
